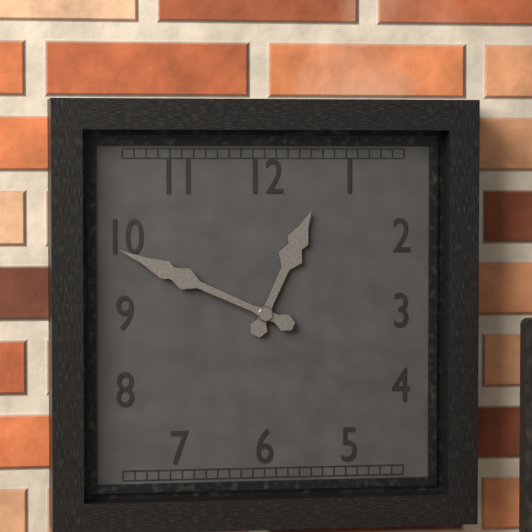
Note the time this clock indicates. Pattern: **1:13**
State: **12:49**
